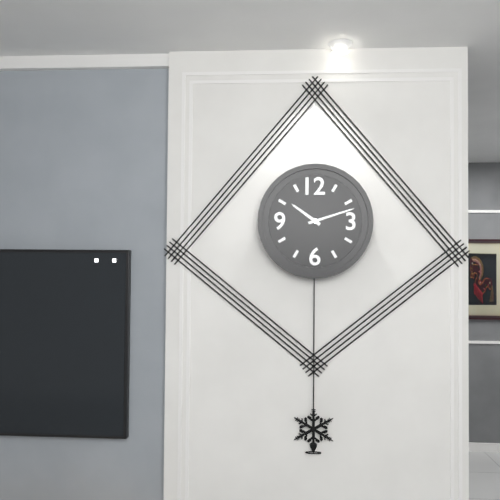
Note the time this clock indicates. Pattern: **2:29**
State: **10:12**
